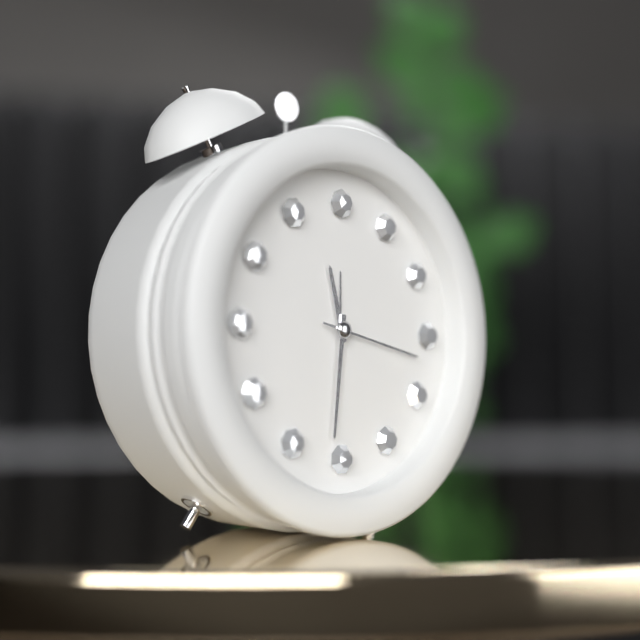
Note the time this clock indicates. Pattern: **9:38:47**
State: **11:31:17**
